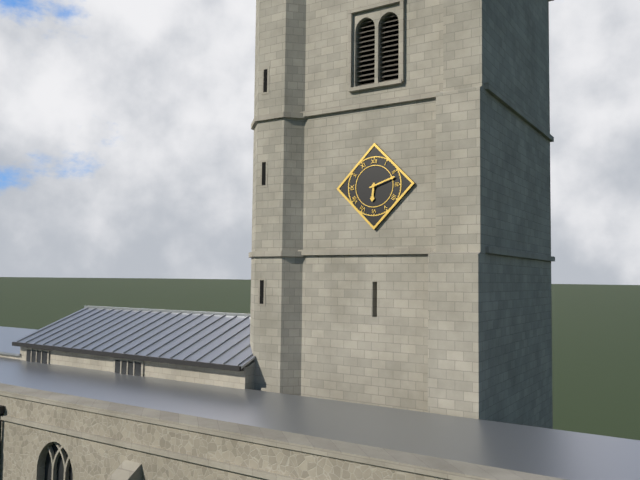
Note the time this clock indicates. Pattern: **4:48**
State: **6:12**
